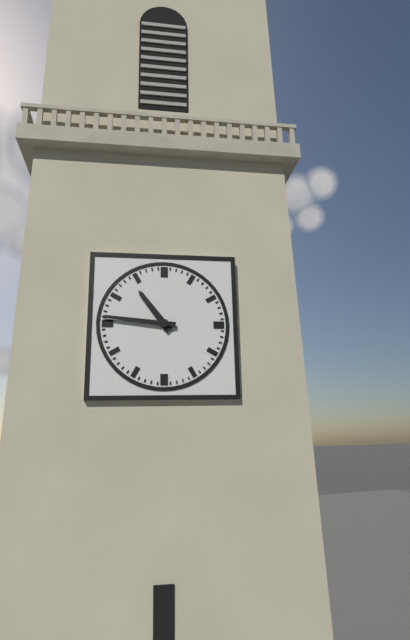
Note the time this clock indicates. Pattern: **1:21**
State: **10:46**
